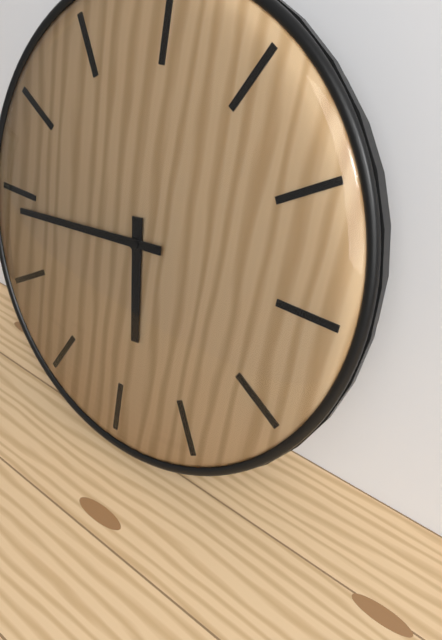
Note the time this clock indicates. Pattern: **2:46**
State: **5:44**
